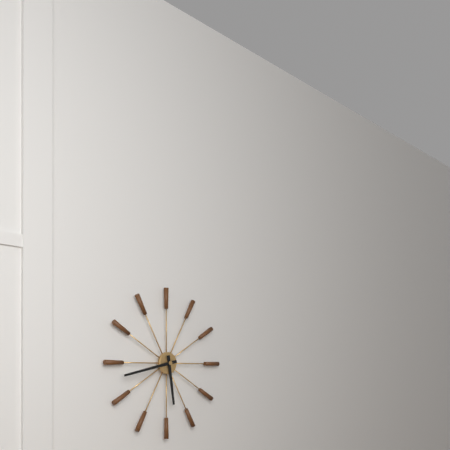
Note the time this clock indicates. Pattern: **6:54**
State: **5:43**
